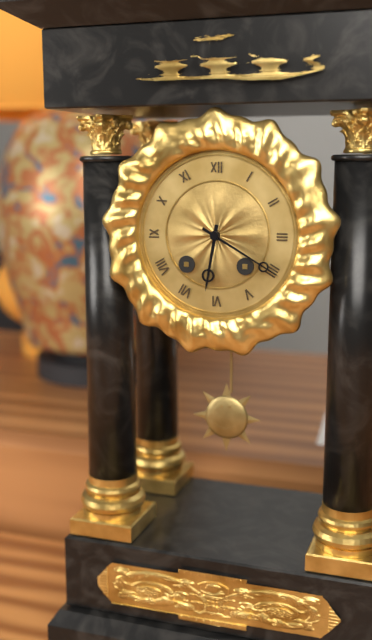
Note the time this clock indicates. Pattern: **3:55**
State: **6:20**
